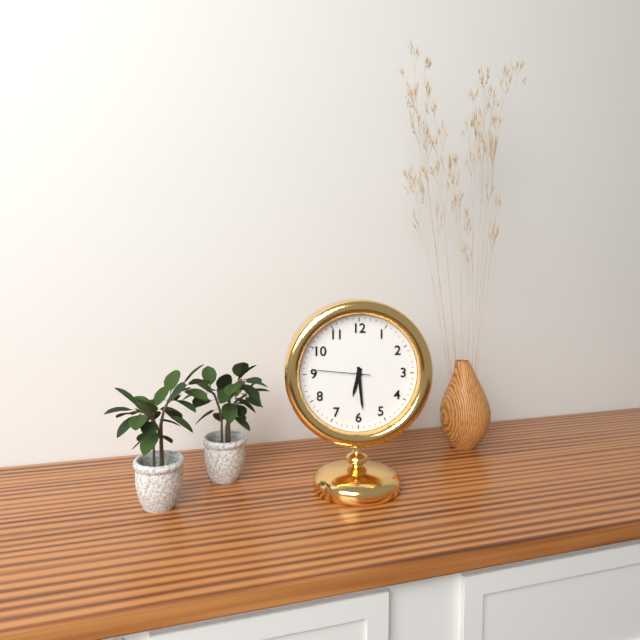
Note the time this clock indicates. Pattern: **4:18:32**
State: **6:29:46**
